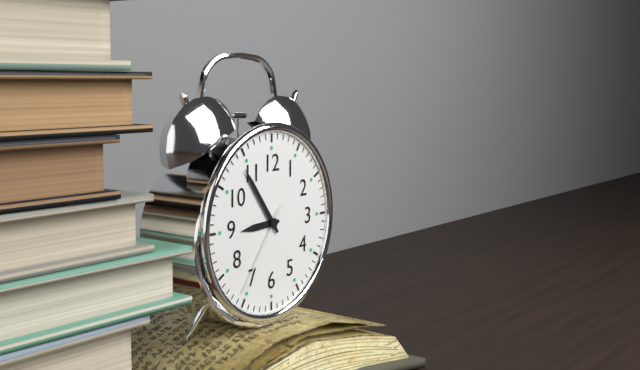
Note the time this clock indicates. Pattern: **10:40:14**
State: **8:54:36**
